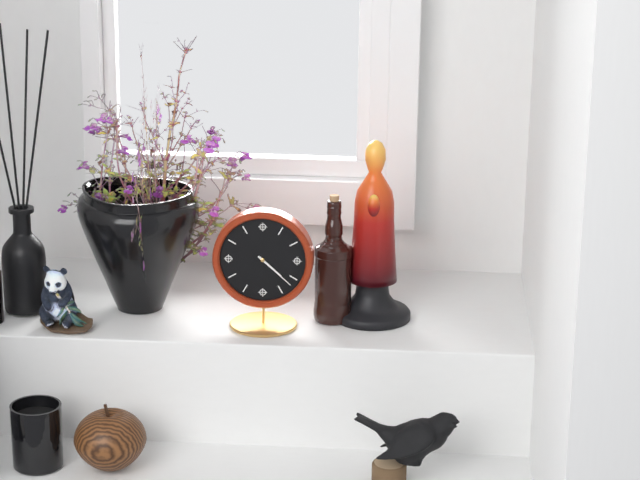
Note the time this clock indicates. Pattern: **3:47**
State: **4:22**
